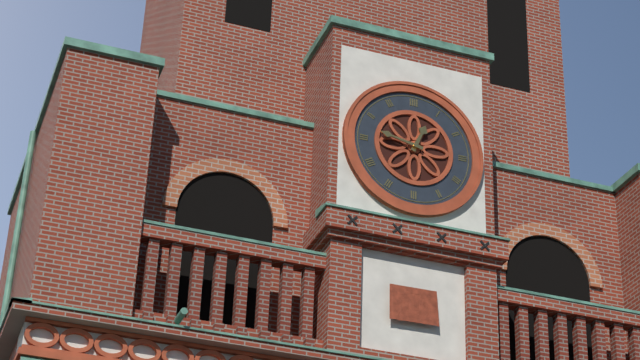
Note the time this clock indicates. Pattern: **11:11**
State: **12:47**
